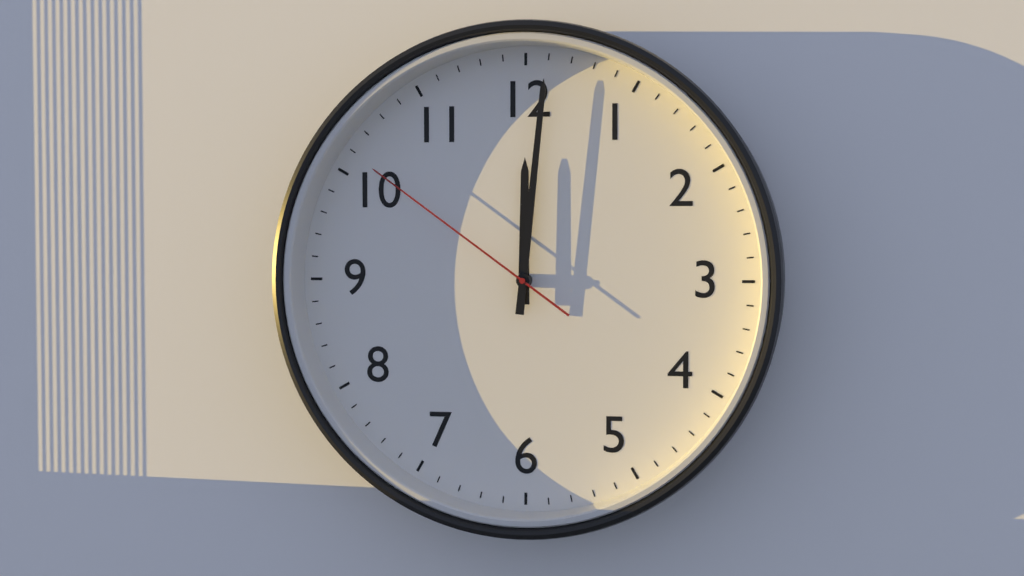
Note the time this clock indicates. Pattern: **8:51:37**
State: **12:01:51**
